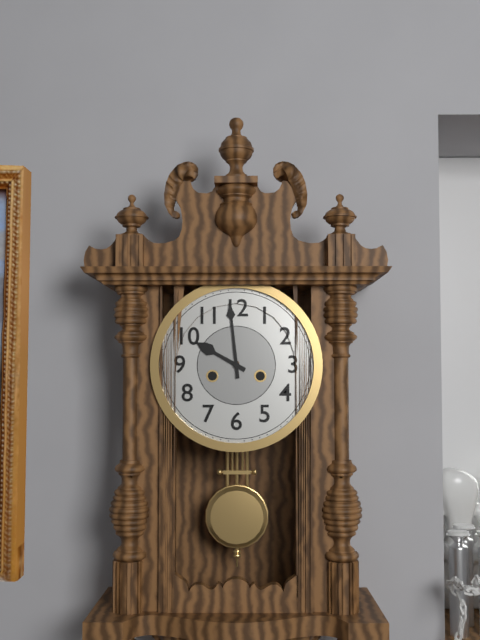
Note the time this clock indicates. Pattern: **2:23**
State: **9:59**
